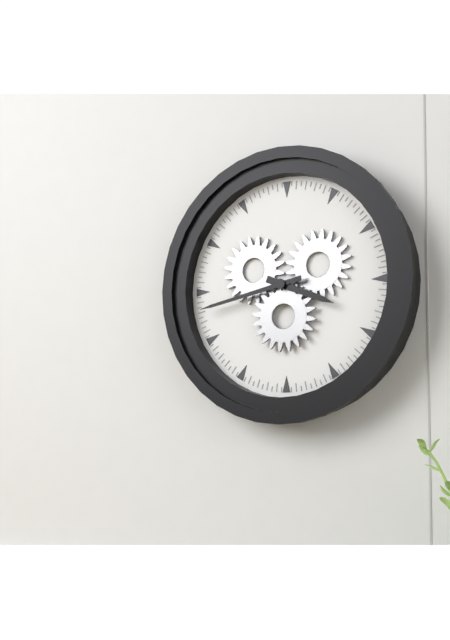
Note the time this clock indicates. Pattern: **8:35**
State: **3:43**
